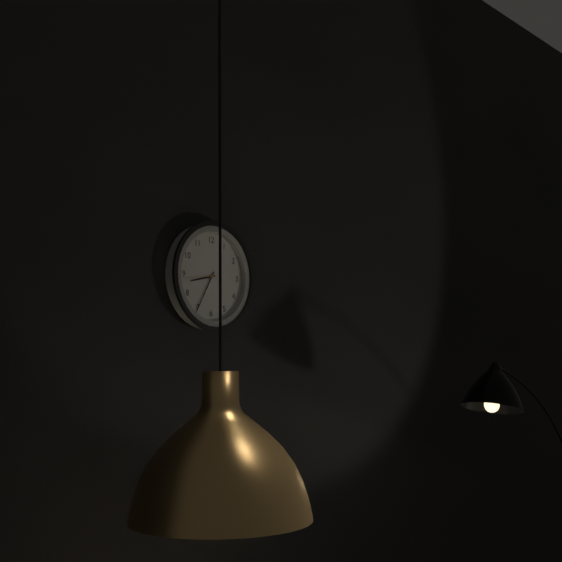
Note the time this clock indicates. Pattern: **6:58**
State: **8:35**
